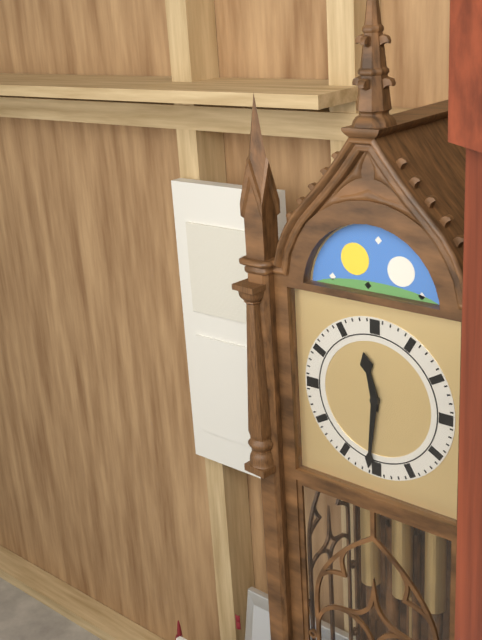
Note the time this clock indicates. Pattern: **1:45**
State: **11:31**
